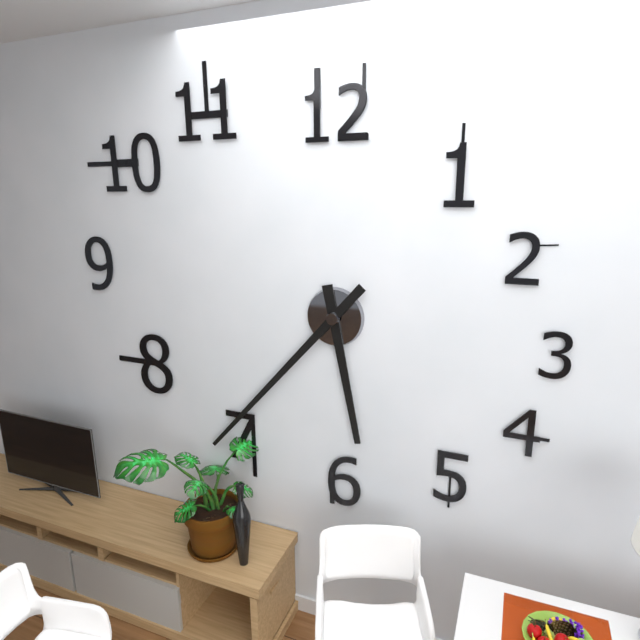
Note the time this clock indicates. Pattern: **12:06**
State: **5:37**
